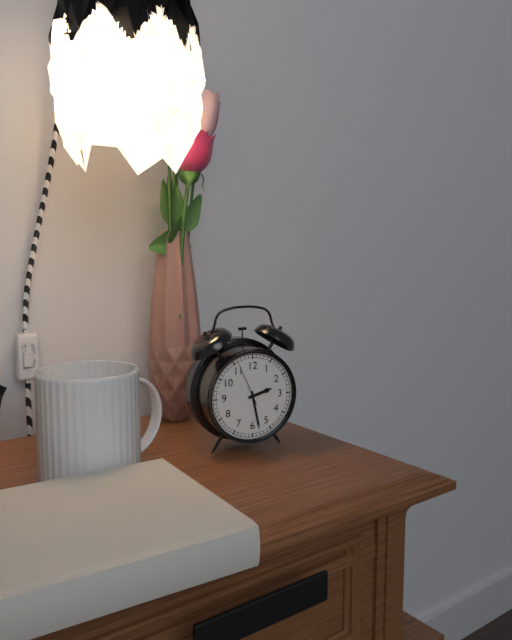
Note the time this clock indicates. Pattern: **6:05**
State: **2:28**
